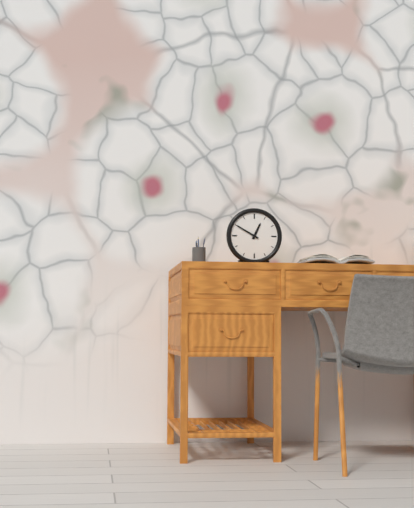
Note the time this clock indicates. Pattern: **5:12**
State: **12:50**
